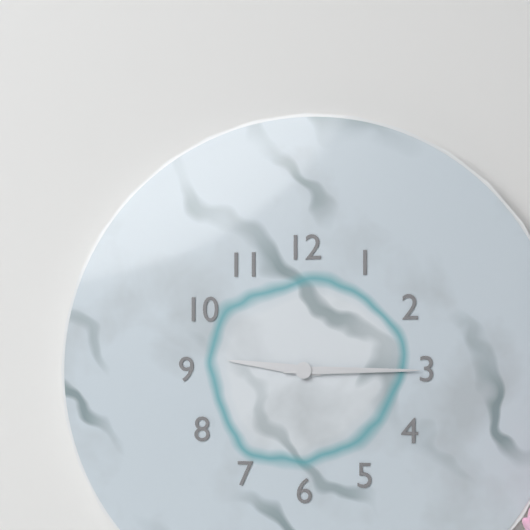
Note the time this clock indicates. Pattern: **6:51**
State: **9:15**
